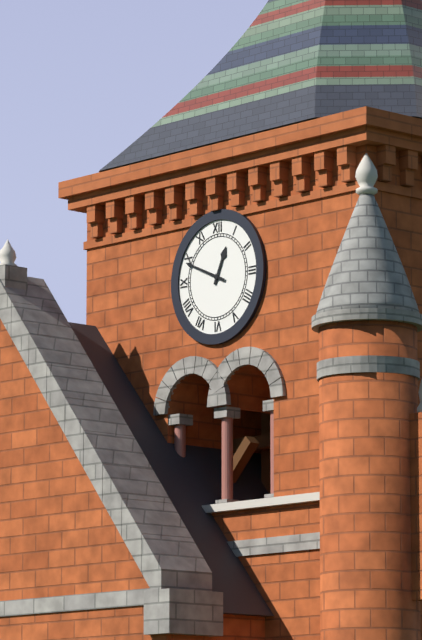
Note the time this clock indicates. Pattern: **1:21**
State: **12:49**
